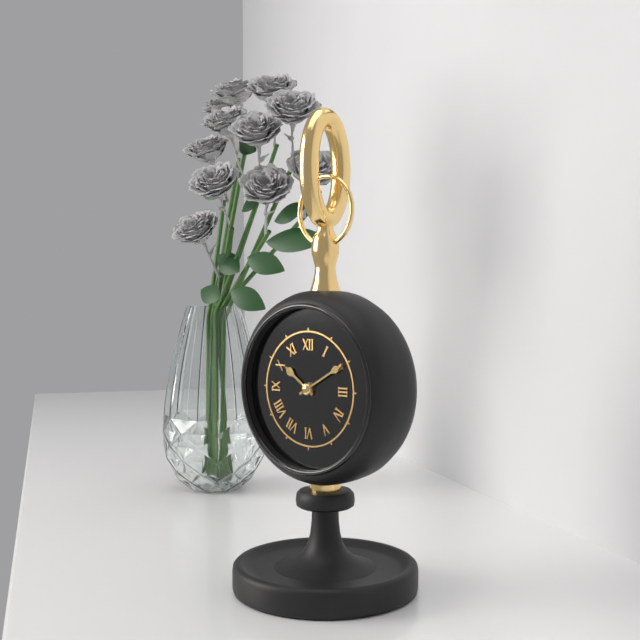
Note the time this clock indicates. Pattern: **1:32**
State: **10:10**
